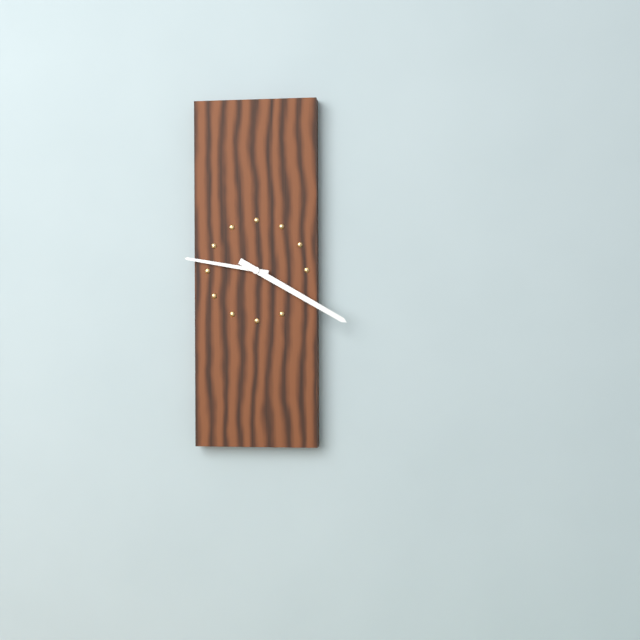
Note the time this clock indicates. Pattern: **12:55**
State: **9:20**
